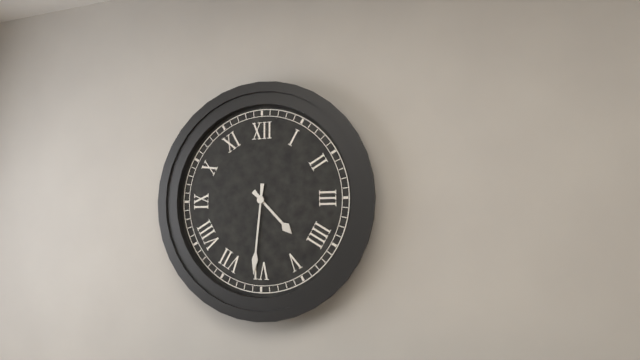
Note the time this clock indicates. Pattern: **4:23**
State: **4:31**
